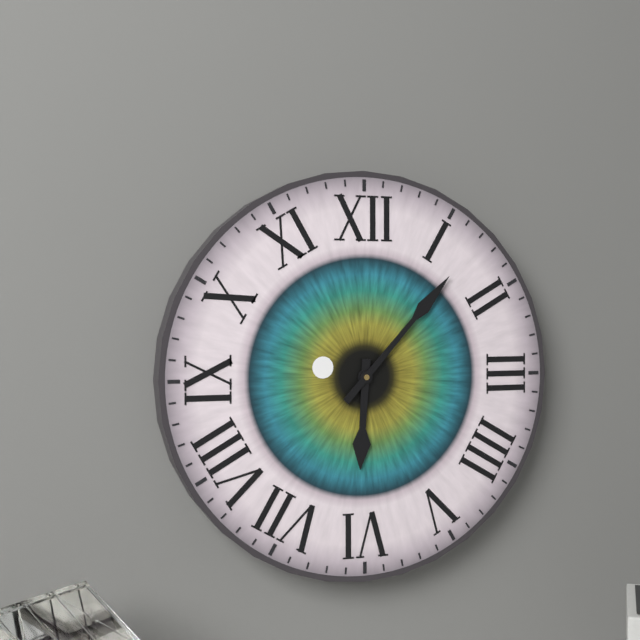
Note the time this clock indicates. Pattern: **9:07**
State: **6:07**
